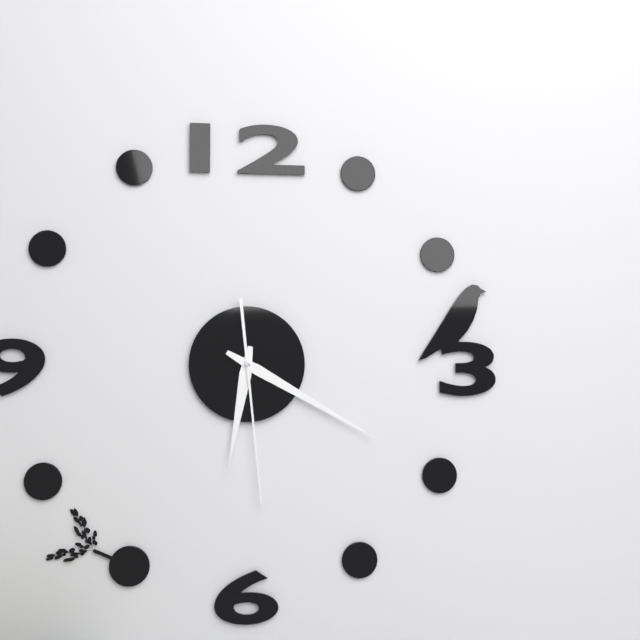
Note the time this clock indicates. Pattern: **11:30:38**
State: **6:20:29**
